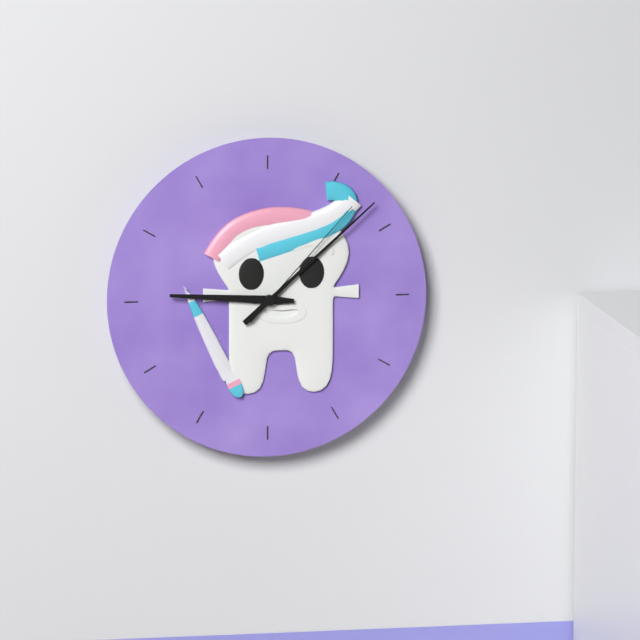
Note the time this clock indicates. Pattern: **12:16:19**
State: **9:08:07**
